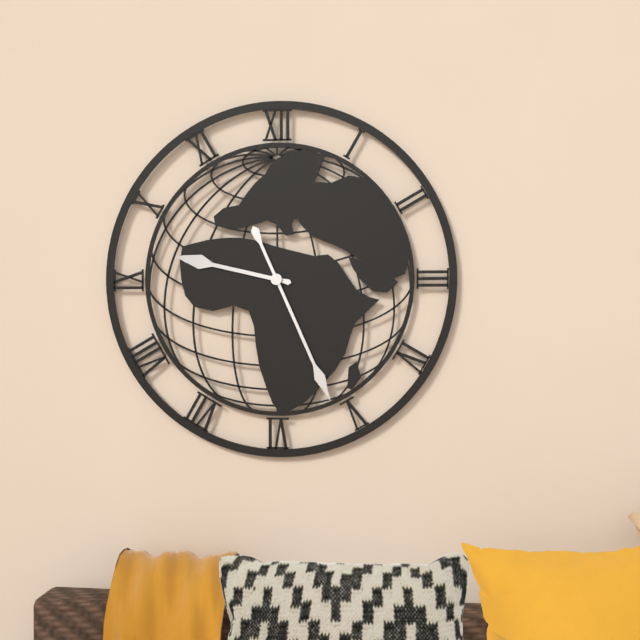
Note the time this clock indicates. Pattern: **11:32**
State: **9:26**
